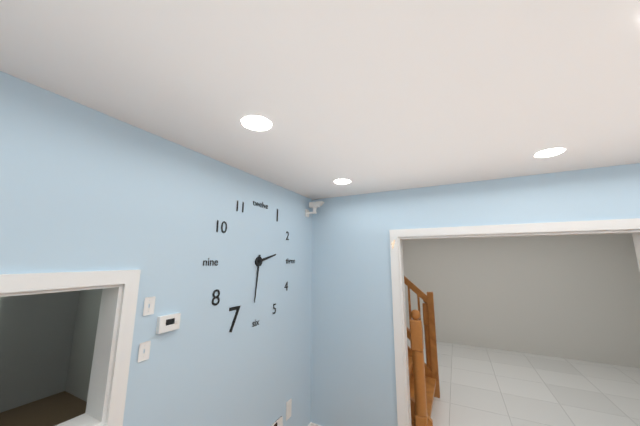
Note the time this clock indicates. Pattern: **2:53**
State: **2:31**
